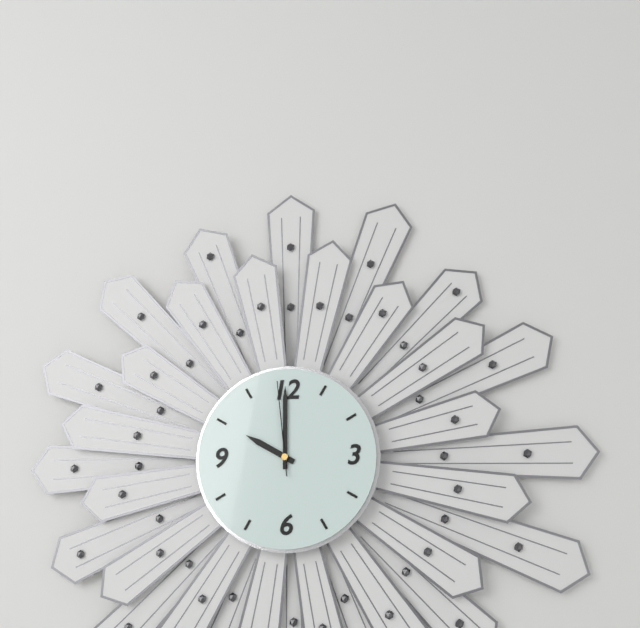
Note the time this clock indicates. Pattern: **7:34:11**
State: **10:00:59**
